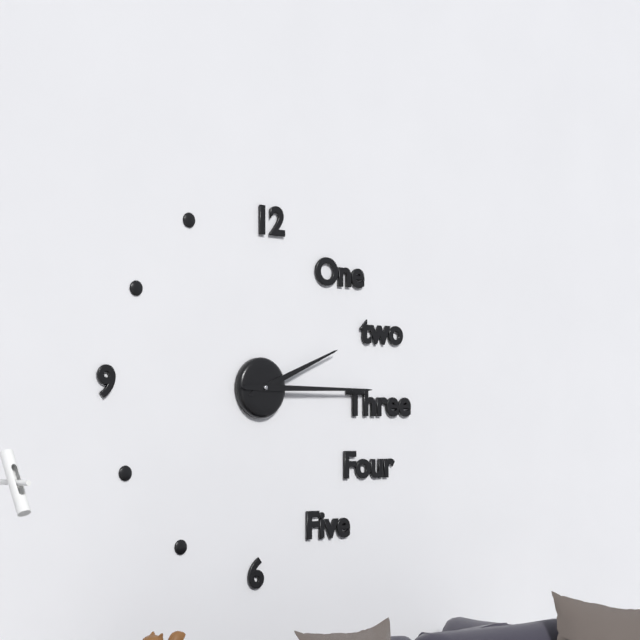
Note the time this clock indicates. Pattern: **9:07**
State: **2:15**
